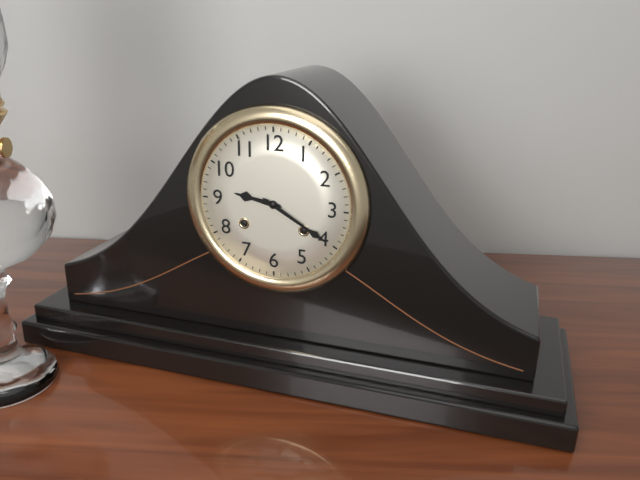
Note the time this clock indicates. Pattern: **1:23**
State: **9:20**
